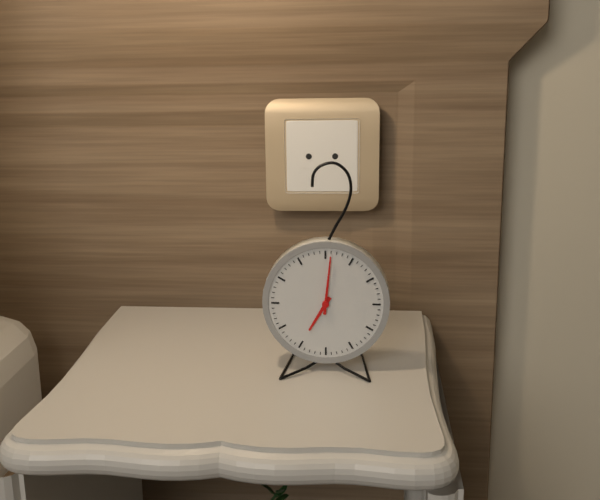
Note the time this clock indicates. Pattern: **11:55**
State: **7:01**
